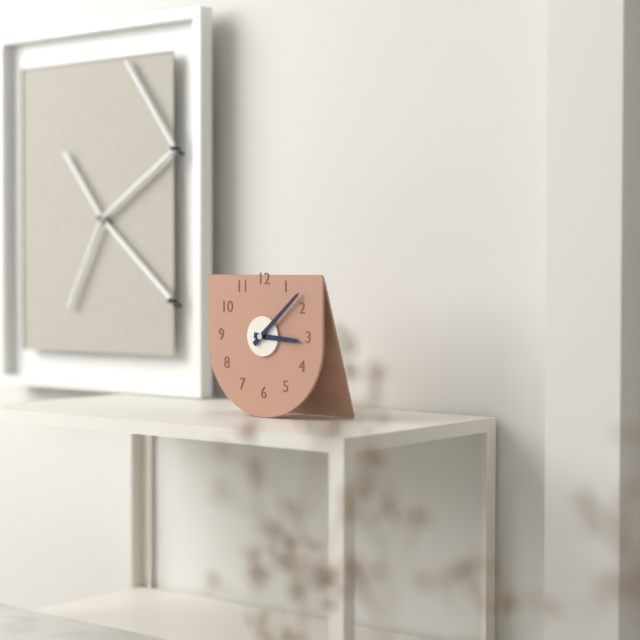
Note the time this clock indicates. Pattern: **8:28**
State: **3:08**
